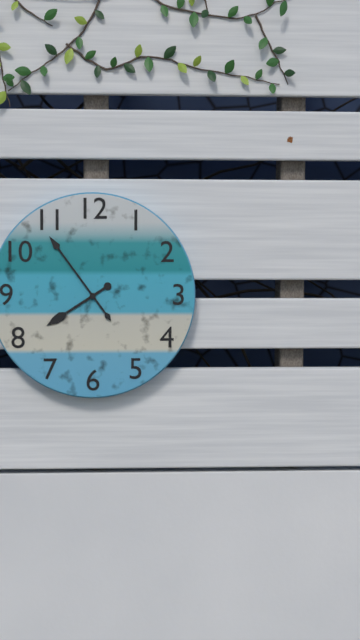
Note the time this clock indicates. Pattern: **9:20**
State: **7:54**
